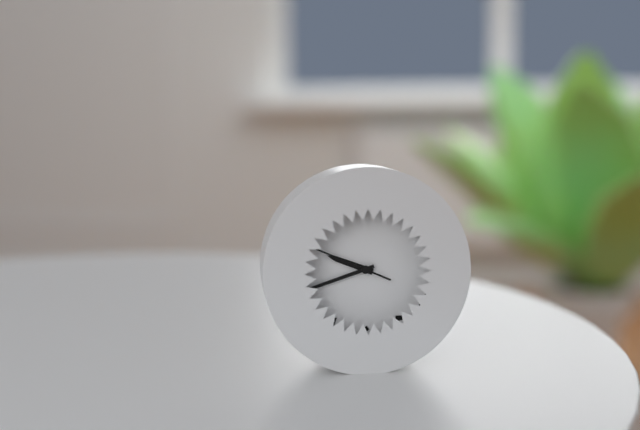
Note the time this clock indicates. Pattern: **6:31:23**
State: **9:42:49**
